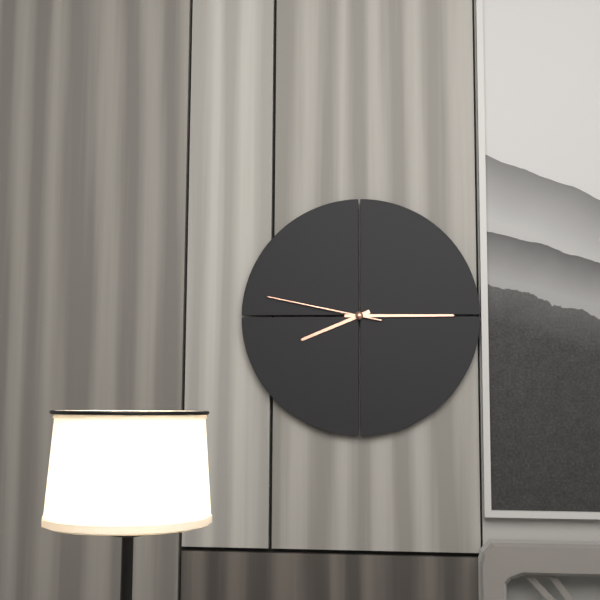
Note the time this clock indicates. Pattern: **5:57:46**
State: **8:15:47**
